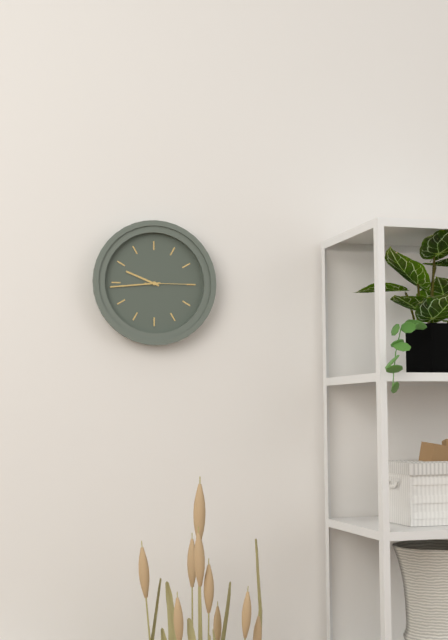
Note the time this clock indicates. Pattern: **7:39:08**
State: **9:44:15**
